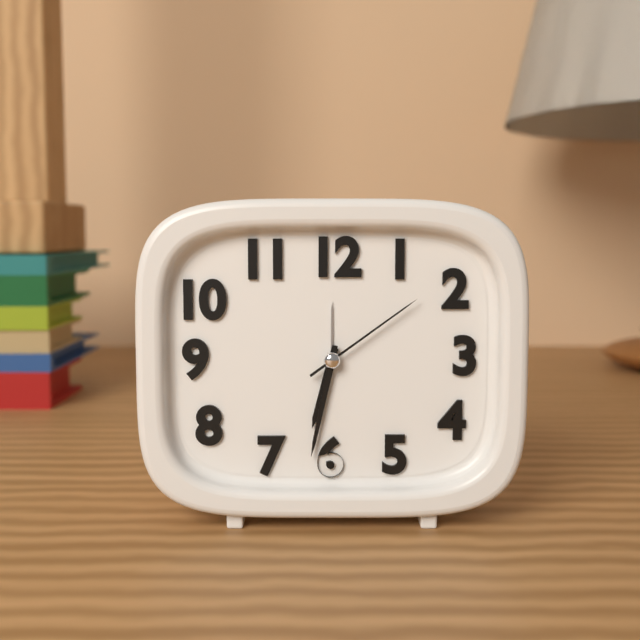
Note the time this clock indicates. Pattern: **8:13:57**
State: **6:32:09**
